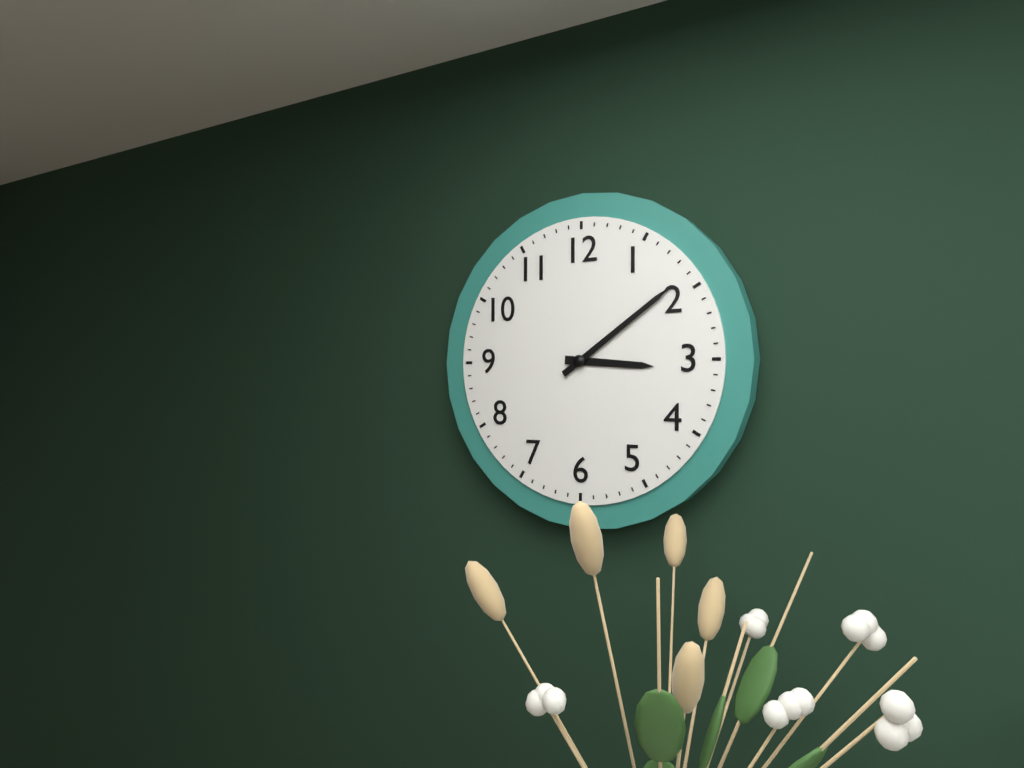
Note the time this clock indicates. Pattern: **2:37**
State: **3:09**
